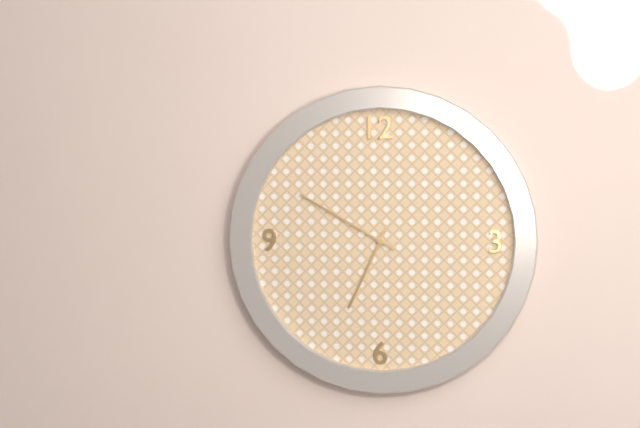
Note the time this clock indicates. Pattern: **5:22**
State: **6:50**
